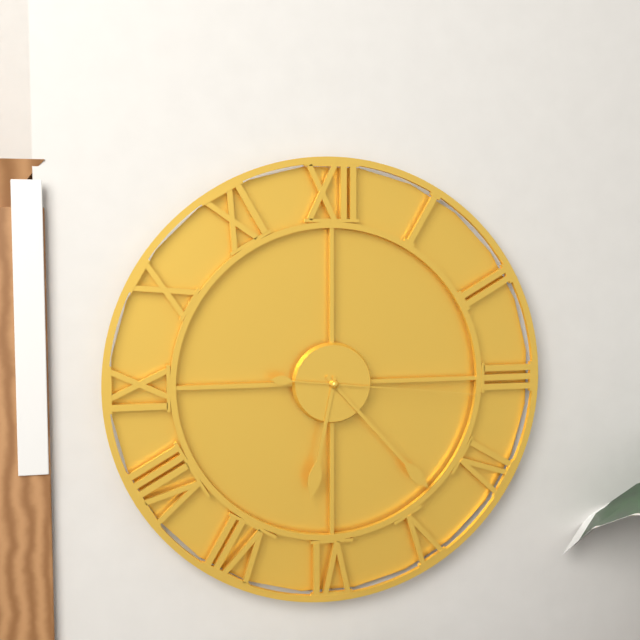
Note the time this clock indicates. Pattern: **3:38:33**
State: **6:23:16**
